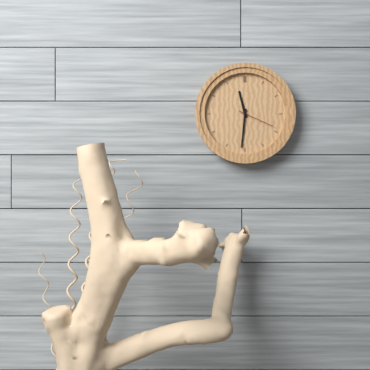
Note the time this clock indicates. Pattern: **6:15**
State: **11:31**
